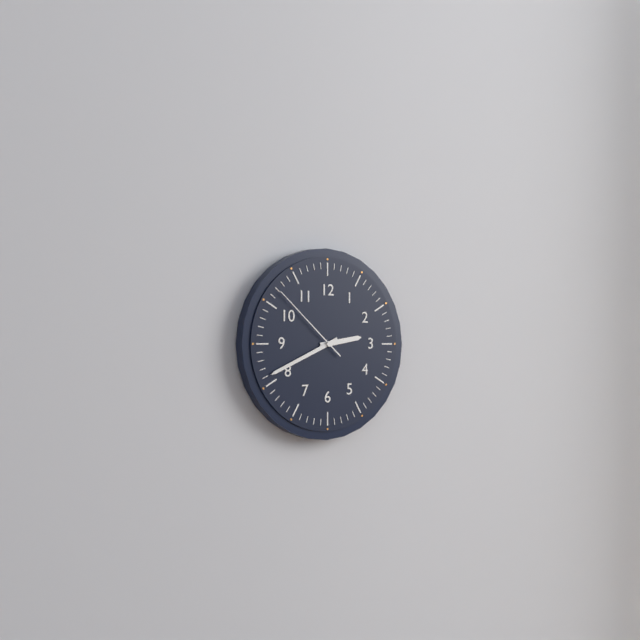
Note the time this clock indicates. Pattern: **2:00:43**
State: **2:41:52**
